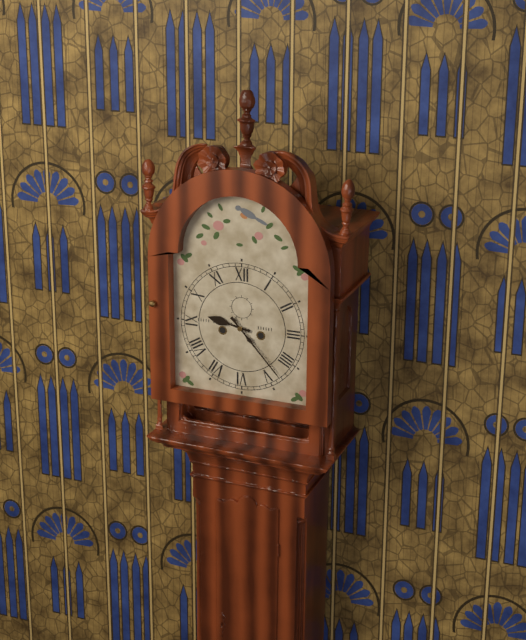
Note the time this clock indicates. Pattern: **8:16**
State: **9:23**
